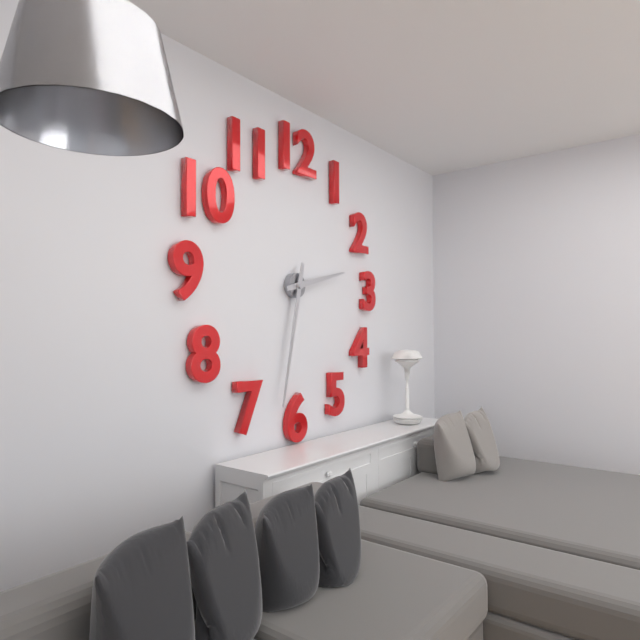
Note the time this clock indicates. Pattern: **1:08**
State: **2:32**
